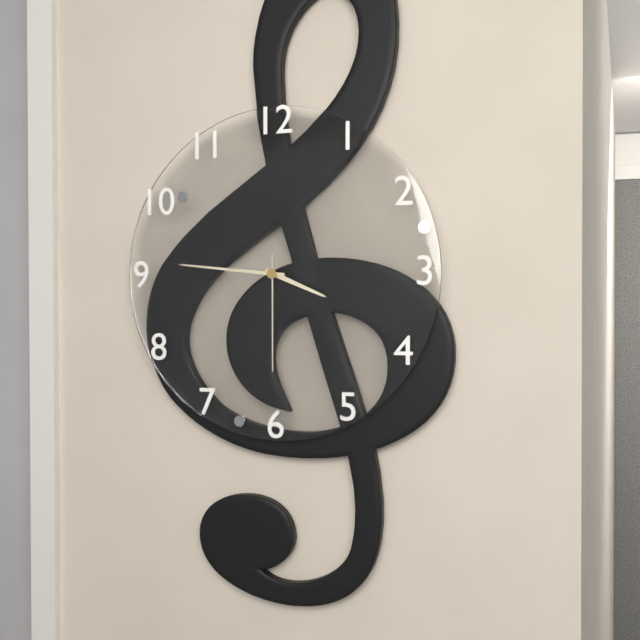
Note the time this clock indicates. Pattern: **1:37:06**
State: **3:46:30**
